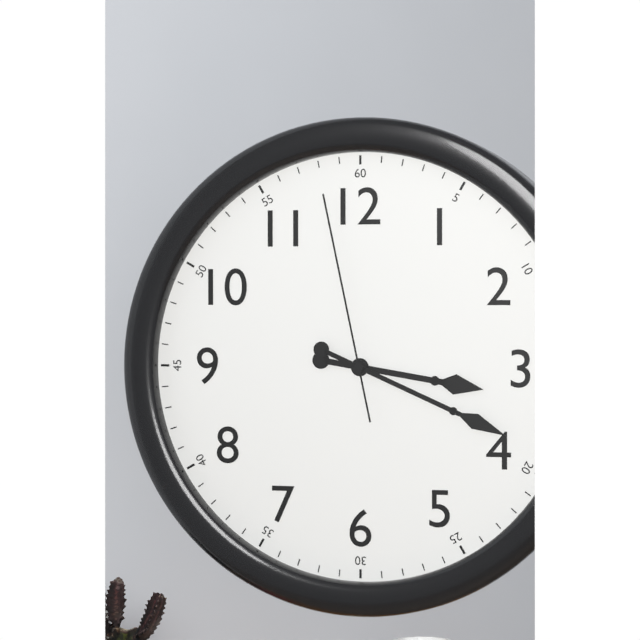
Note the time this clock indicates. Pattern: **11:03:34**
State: **3:19:58**
